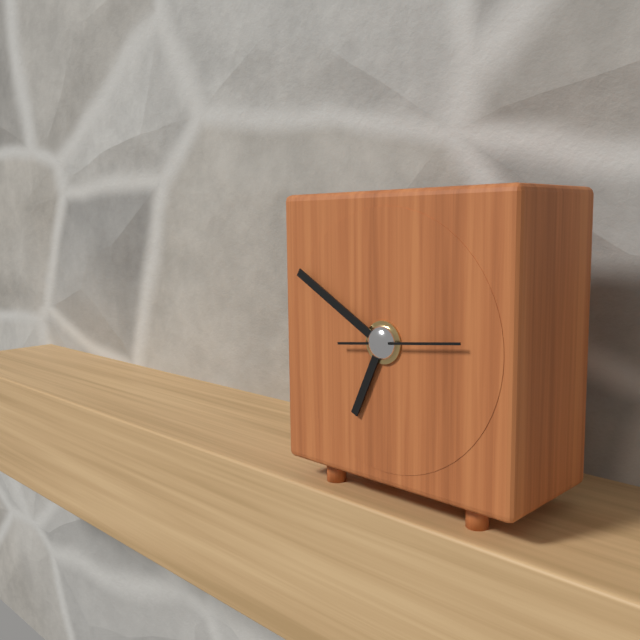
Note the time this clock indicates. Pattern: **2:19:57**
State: **6:50:14**
